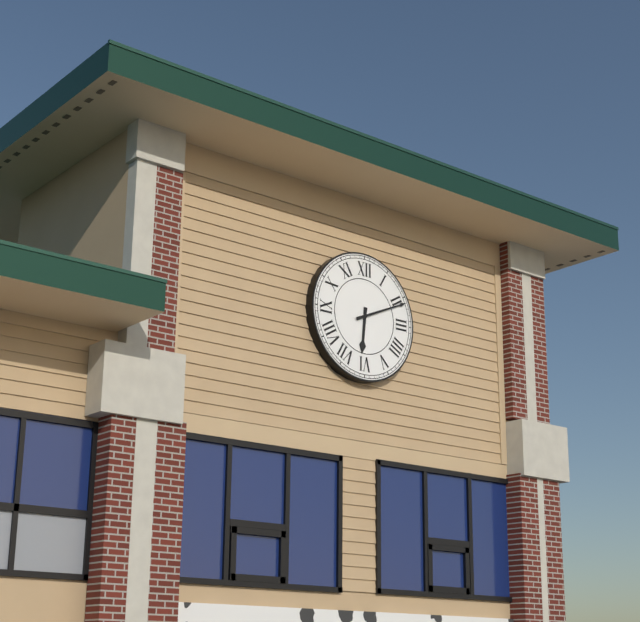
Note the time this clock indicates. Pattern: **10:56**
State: **6:11**
